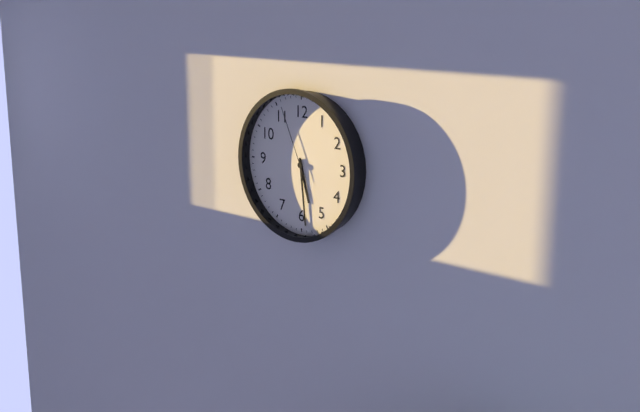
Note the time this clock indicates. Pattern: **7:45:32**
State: **5:29:56**
